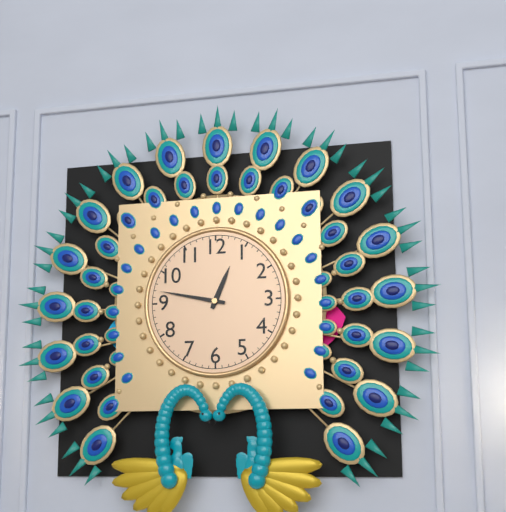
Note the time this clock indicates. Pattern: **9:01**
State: **12:47**
